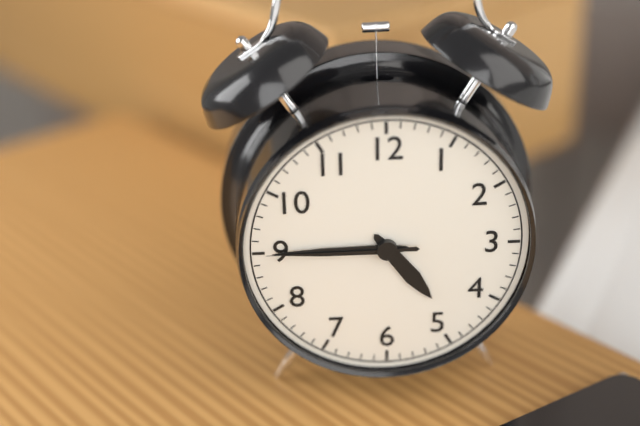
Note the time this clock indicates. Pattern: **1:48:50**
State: **4:45:45**
